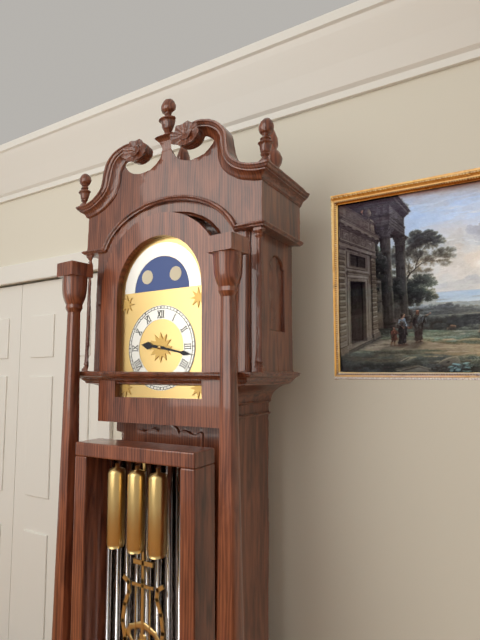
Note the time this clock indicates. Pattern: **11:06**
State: **9:17**
